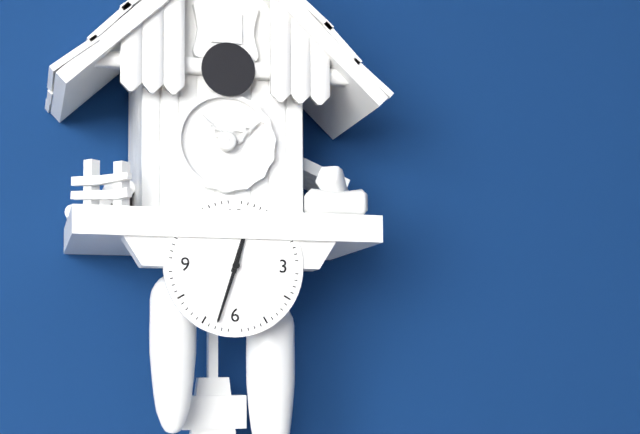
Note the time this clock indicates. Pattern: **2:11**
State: **12:33**
